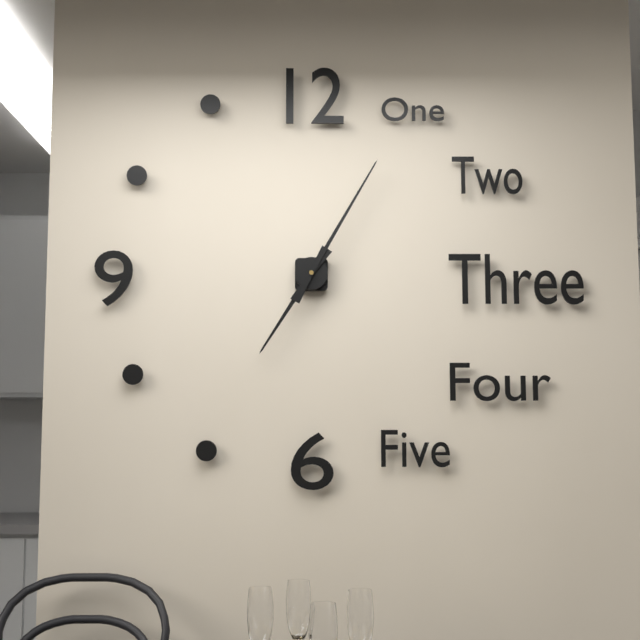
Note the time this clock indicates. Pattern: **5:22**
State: **7:05**
